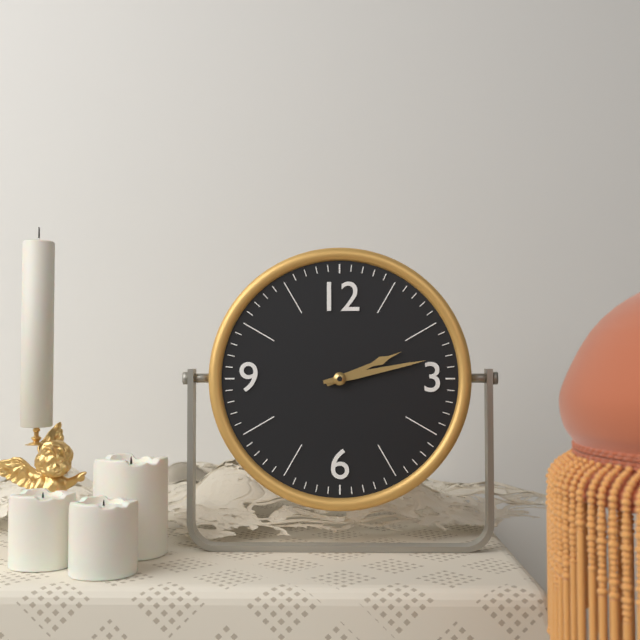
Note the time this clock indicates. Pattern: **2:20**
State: **2:13**
